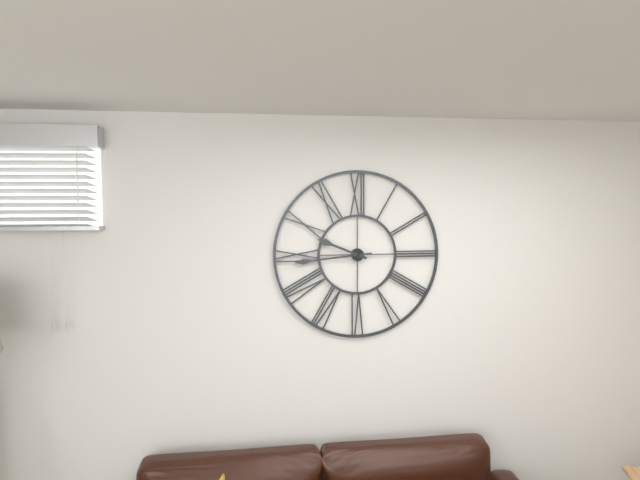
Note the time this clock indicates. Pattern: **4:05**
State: **9:44**
